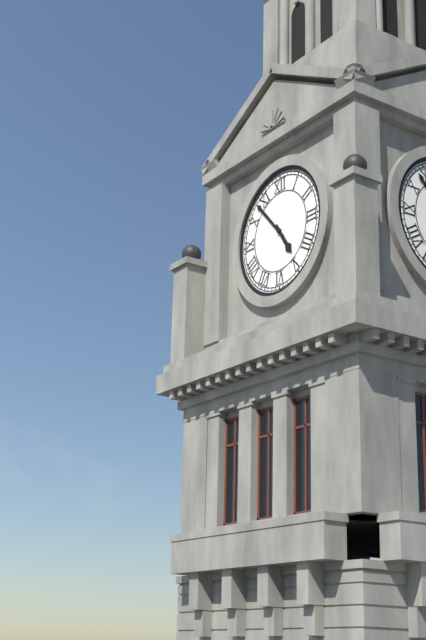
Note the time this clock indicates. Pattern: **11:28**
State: **4:53**
